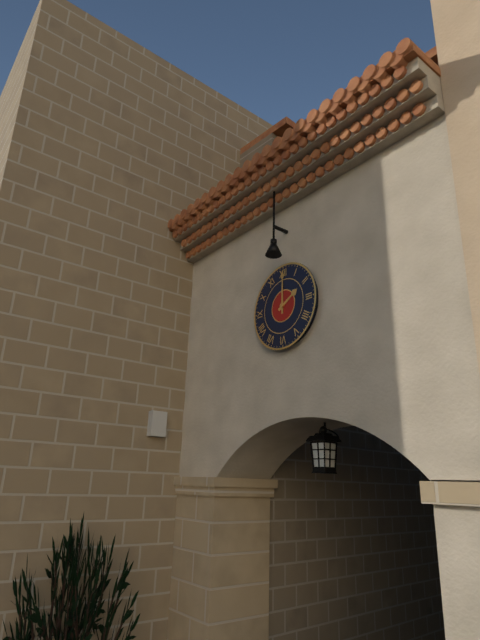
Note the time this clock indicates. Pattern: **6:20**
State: **2:00**
